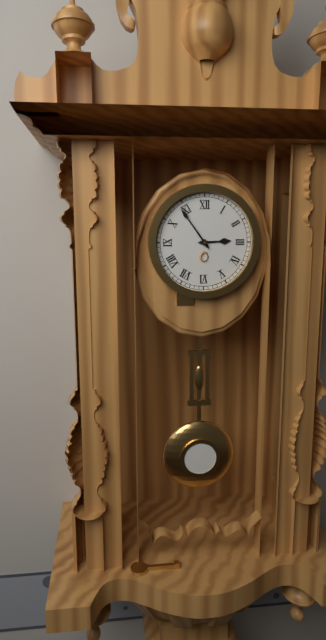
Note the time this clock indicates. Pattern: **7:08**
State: **2:54**
